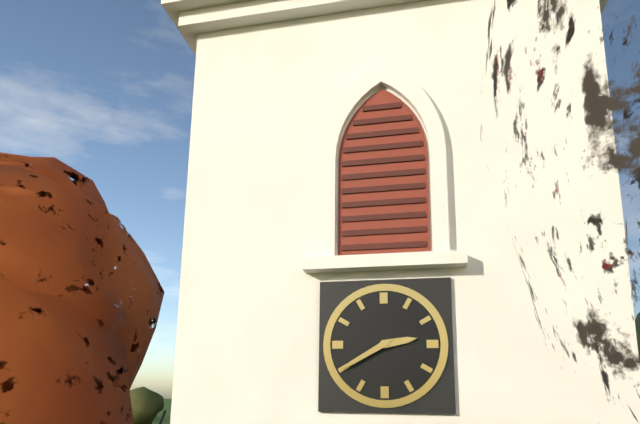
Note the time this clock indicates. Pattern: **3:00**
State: **2:40**
